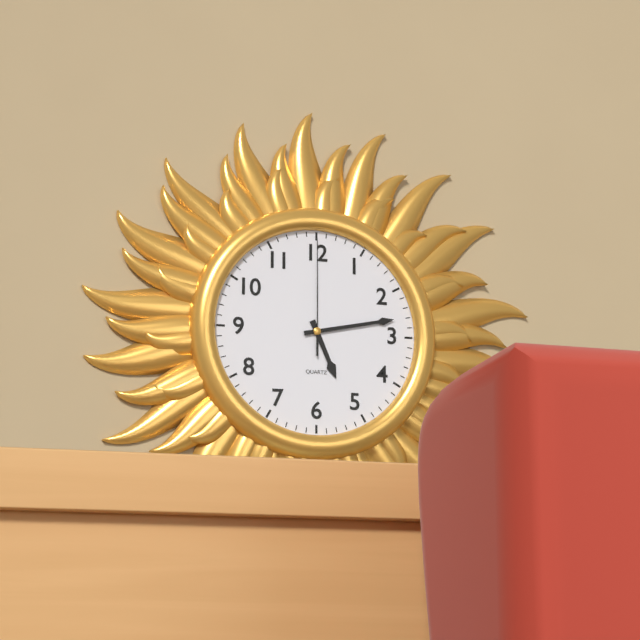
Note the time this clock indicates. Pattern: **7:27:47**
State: **5:13:00**
